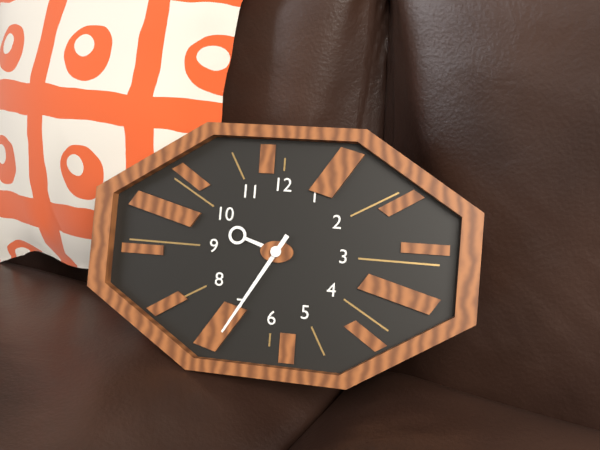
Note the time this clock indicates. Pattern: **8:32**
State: **9:35**
